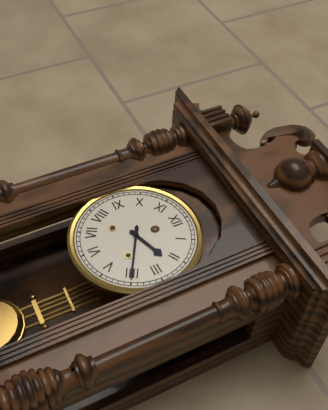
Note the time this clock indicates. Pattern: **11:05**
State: **2:20**
